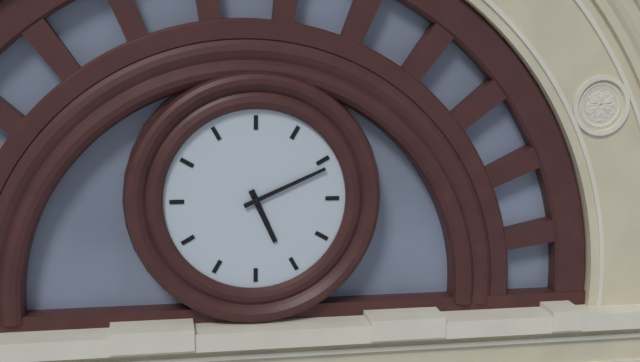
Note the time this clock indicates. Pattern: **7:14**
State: **5:11**
